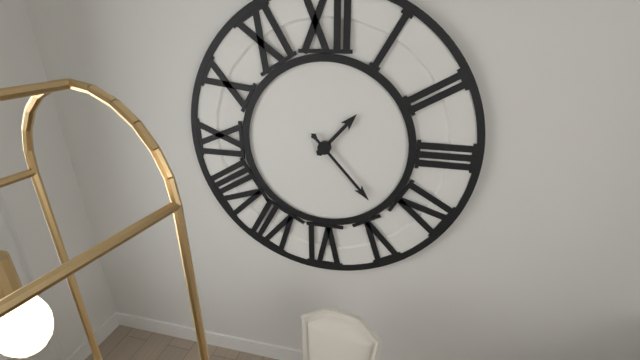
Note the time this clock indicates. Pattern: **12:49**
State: **1:23**
